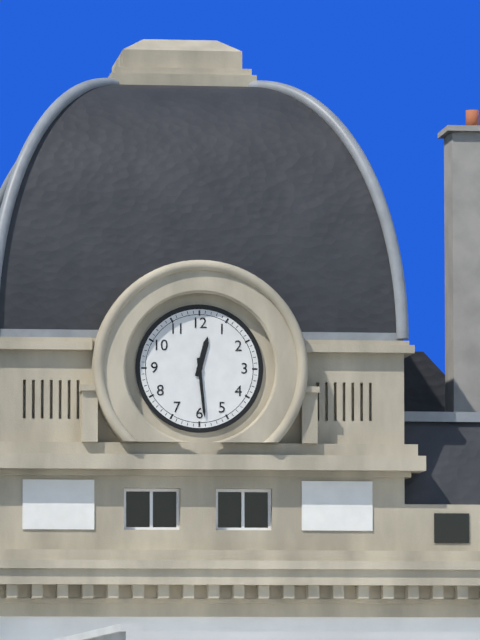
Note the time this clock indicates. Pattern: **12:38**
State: **12:29**
